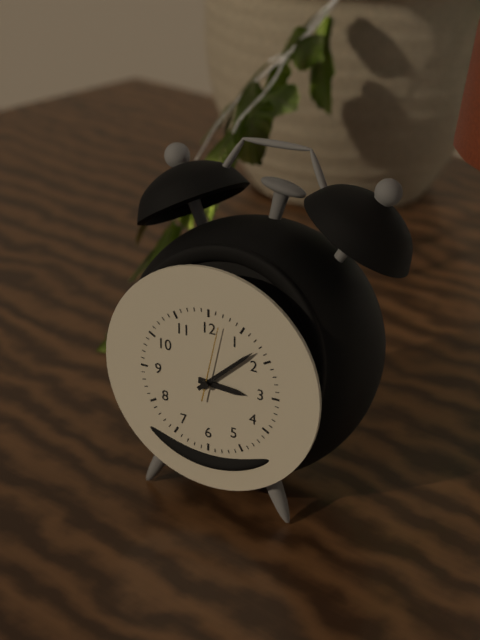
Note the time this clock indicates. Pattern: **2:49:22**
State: **3:08:02**
